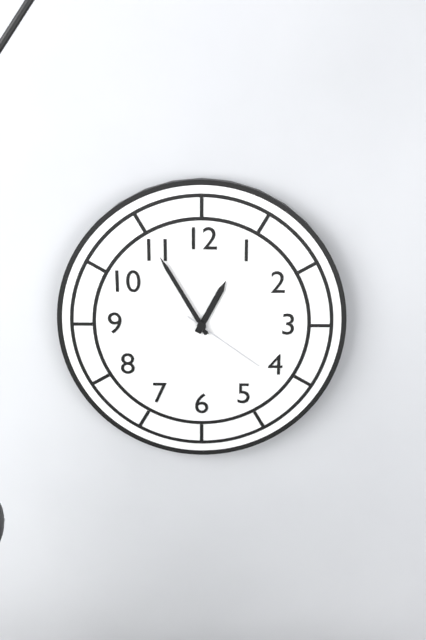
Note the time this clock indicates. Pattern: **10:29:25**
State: **12:55:21**
